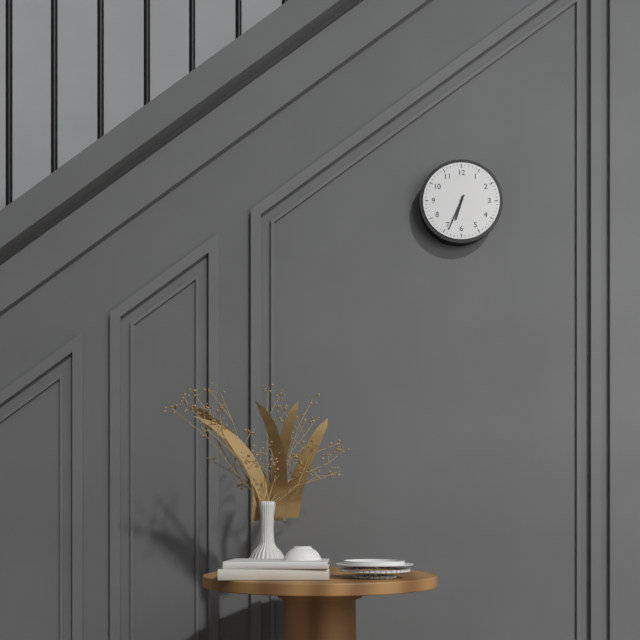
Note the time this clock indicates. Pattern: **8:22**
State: **6:34**
